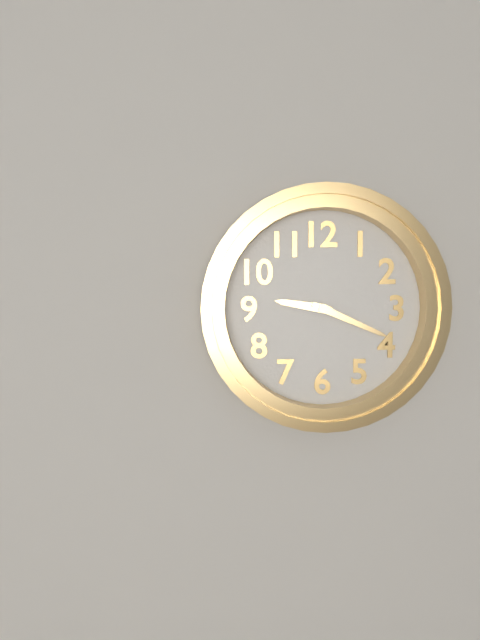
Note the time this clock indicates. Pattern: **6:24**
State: **9:19**
